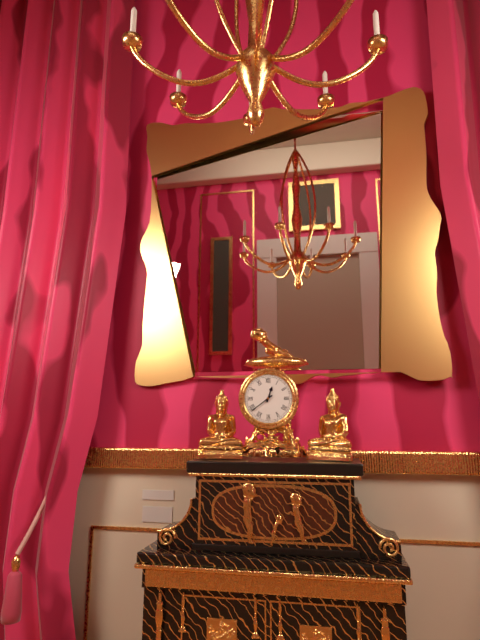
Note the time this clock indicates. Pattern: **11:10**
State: **12:39**
